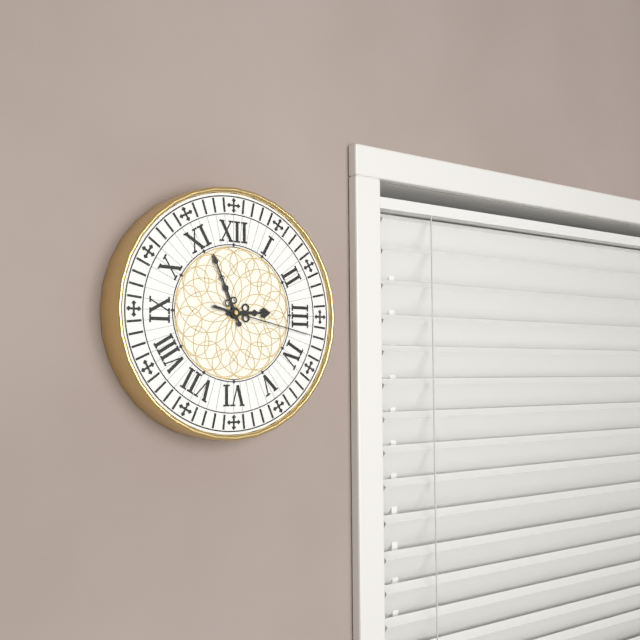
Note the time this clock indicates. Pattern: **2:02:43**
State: **2:56:17**
